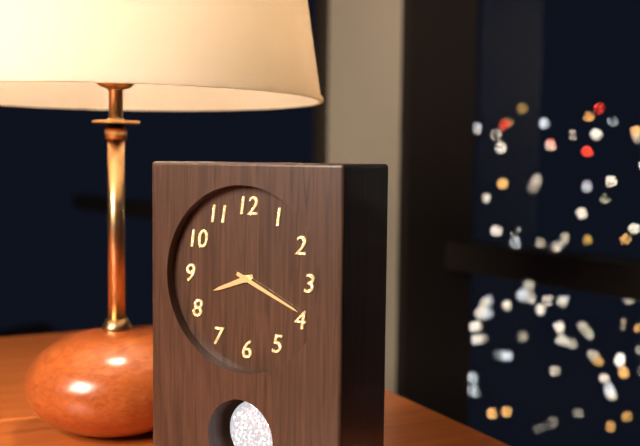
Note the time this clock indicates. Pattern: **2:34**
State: **8:19**
